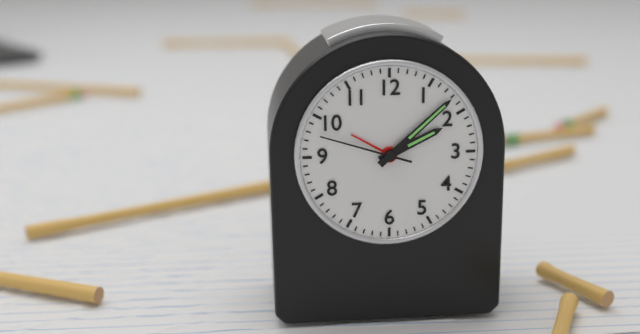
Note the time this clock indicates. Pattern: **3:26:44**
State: **2:08:48**
